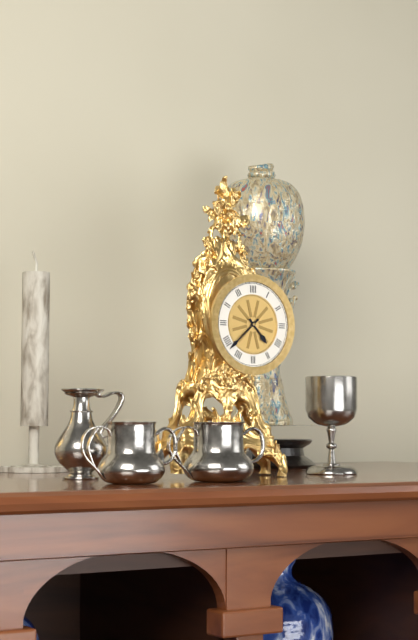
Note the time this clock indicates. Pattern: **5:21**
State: **4:38**
